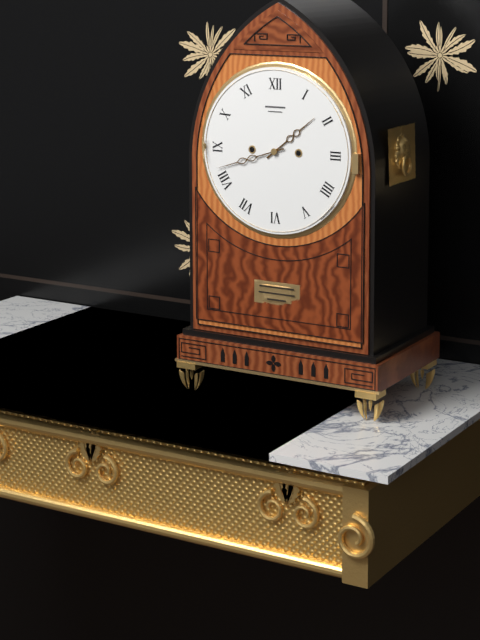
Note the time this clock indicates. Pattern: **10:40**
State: **1:42**
